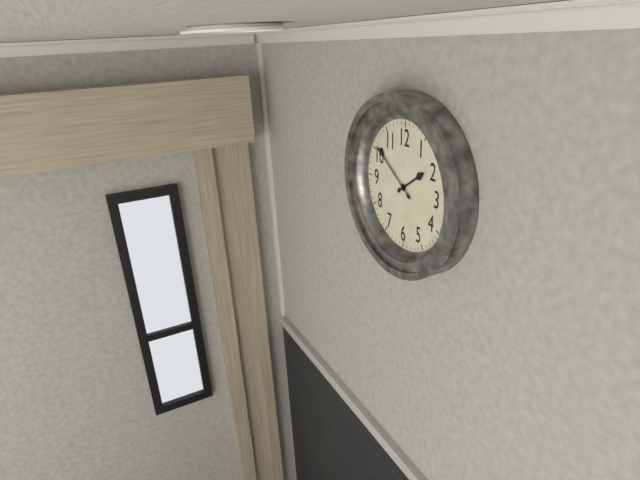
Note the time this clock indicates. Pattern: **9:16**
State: **1:51**
